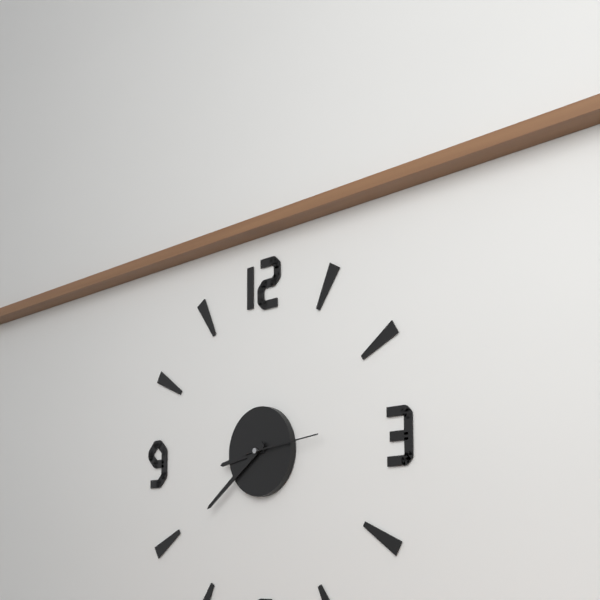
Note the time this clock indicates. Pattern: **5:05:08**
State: **8:39:14**
